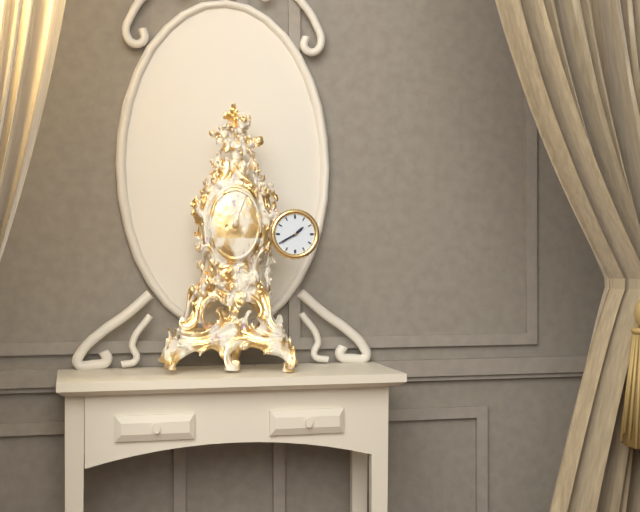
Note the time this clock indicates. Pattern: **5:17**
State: **1:40**
